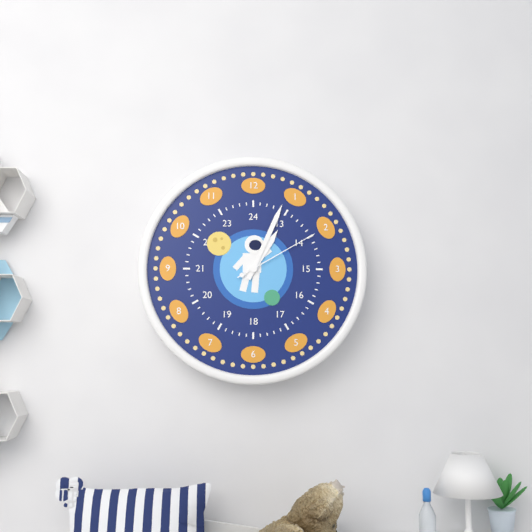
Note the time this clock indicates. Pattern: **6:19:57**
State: **1:04:10**
